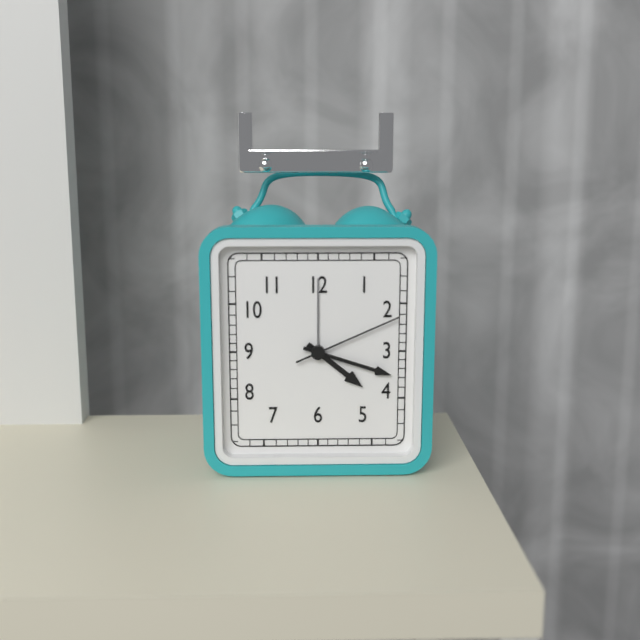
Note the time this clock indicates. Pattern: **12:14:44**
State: **4:18:11**
